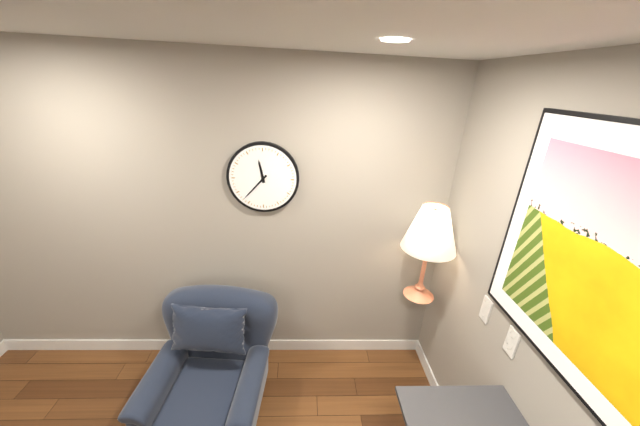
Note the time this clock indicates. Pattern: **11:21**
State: **11:37**
